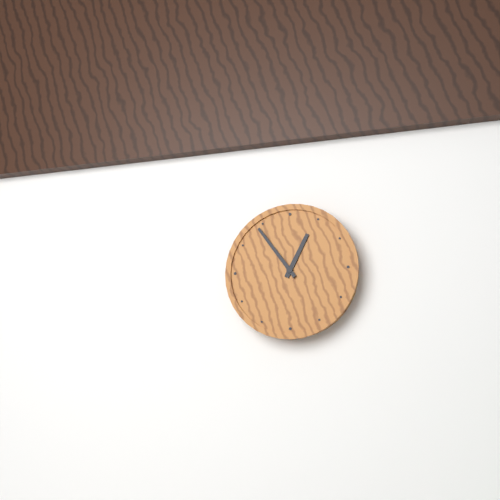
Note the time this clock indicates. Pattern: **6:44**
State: **12:54**
